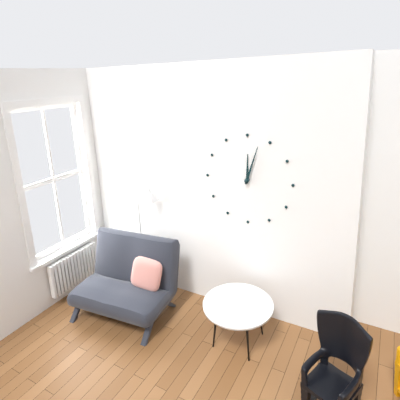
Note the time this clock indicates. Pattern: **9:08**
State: **12:03**
